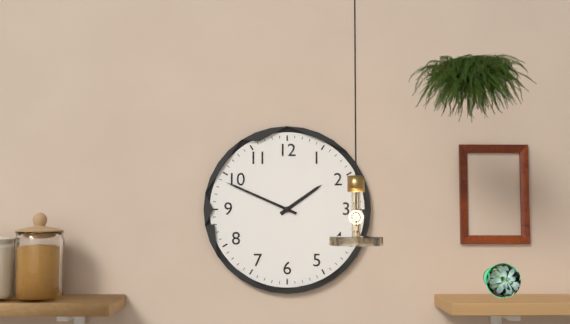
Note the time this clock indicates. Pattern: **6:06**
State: **1:49**
